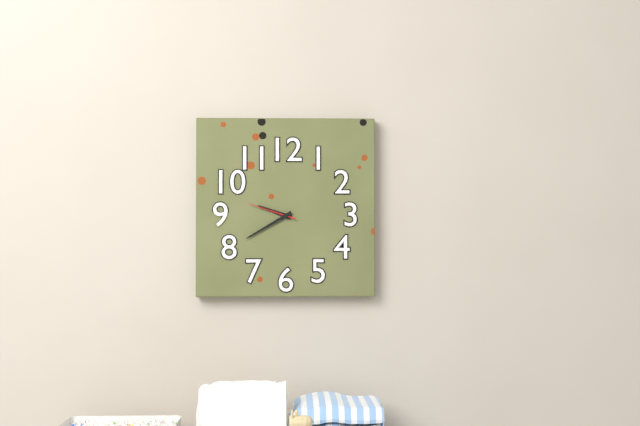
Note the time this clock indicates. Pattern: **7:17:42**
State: **9:40:48**
